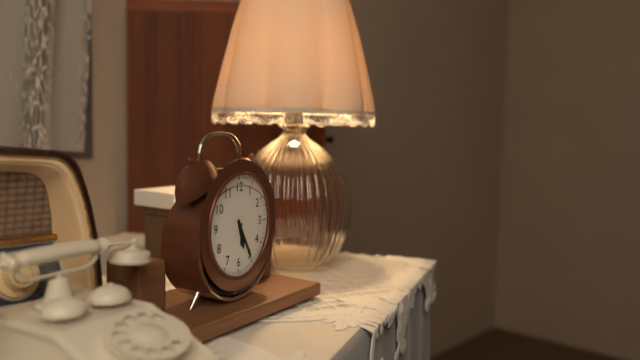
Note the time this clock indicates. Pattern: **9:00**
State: **5:25**
